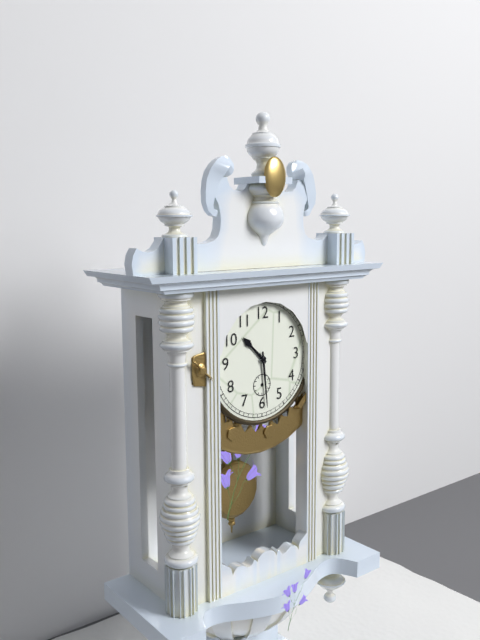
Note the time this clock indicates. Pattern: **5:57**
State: **10:29**
